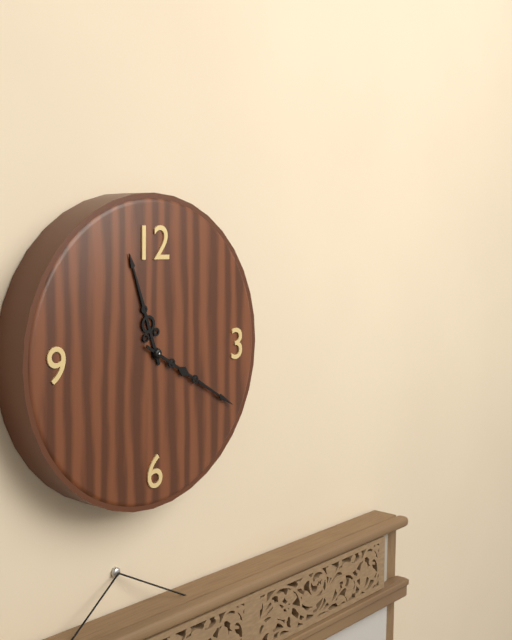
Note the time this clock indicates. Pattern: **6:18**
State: **11:20**
